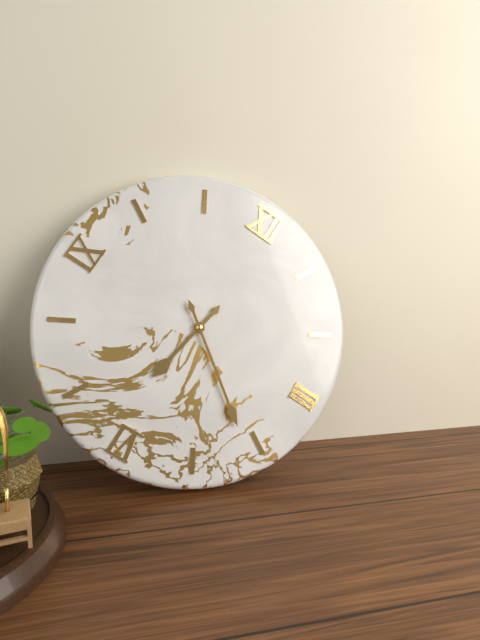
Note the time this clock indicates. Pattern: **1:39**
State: **6:21**
